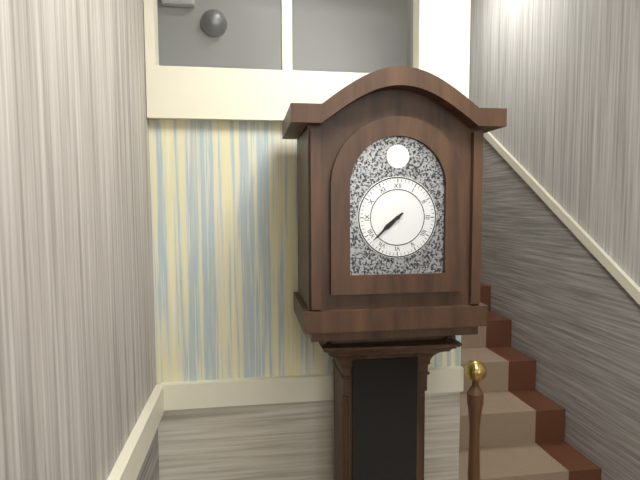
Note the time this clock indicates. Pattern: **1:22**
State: **7:38**
